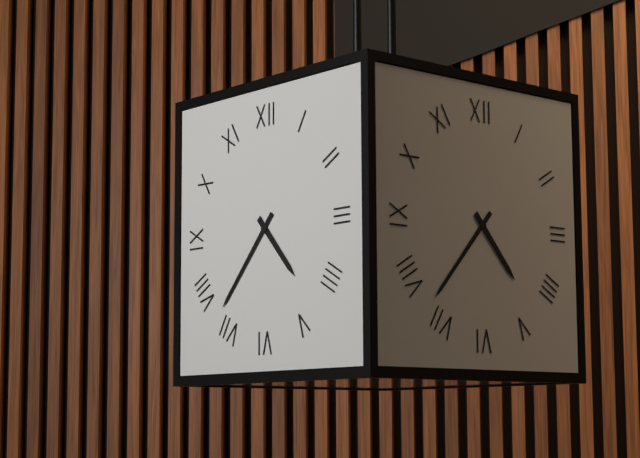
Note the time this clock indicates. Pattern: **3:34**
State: **4:37**
